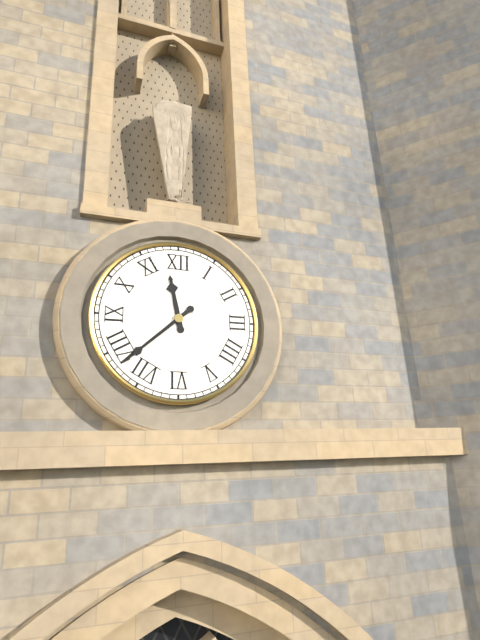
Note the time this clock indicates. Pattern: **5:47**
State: **11:38**
